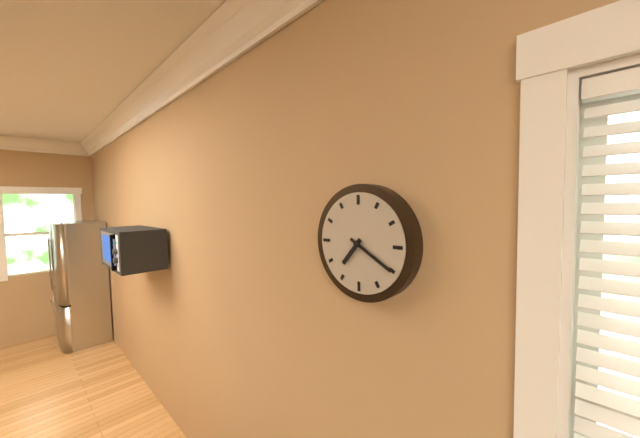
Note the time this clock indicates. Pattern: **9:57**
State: **7:20**
